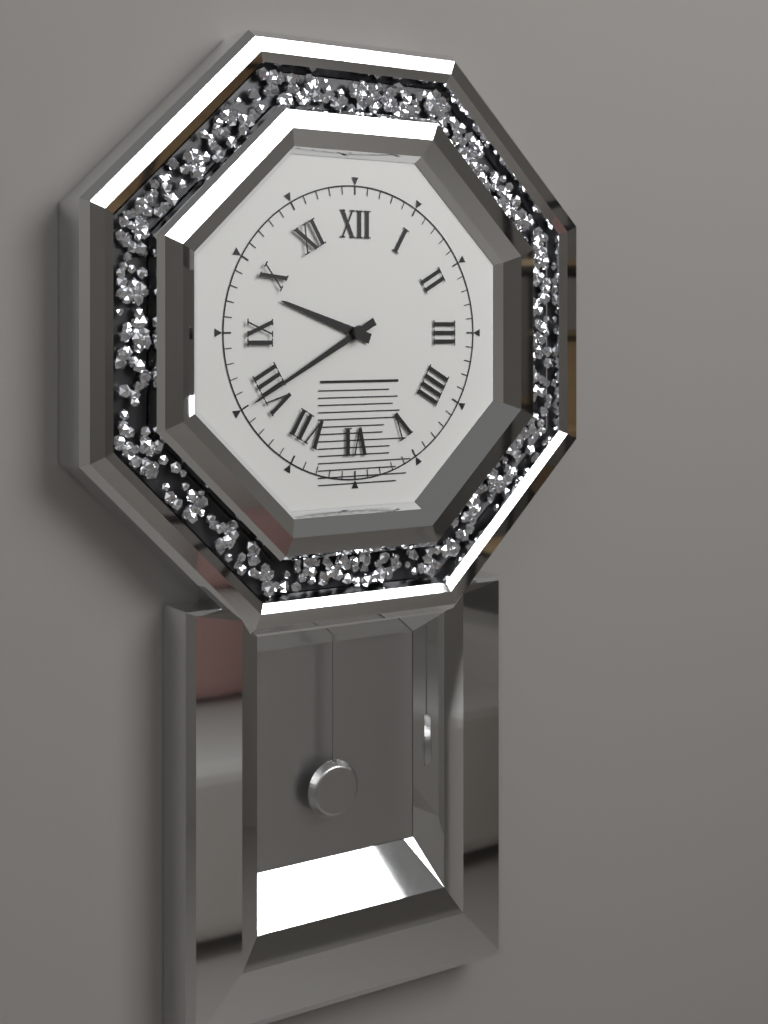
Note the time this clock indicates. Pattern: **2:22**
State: **9:40**
